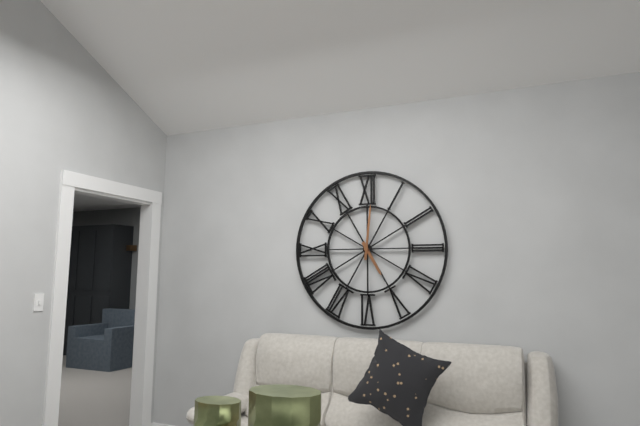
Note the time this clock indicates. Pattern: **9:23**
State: **5:01**
